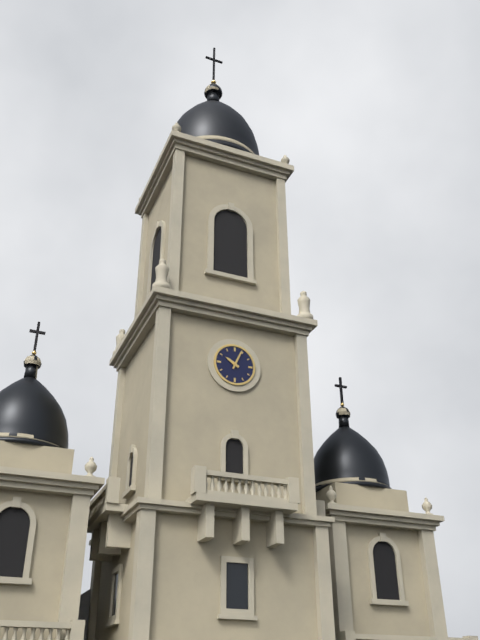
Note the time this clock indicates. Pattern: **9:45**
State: **10:04**
